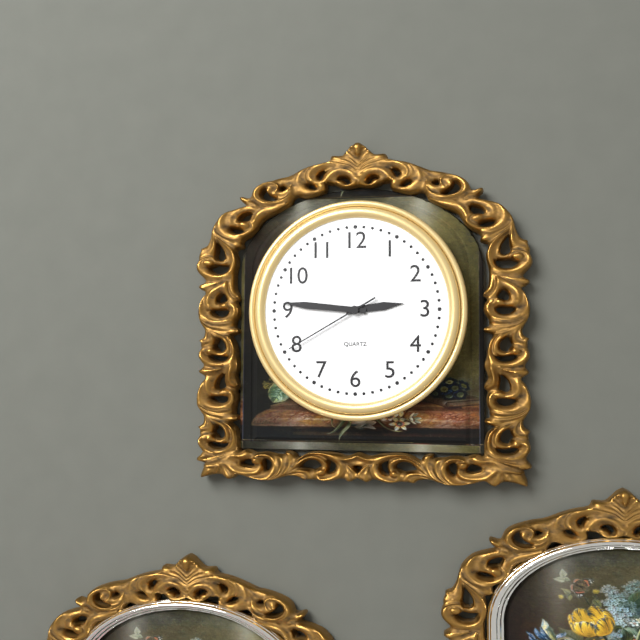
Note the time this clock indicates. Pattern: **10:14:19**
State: **2:46:40**
